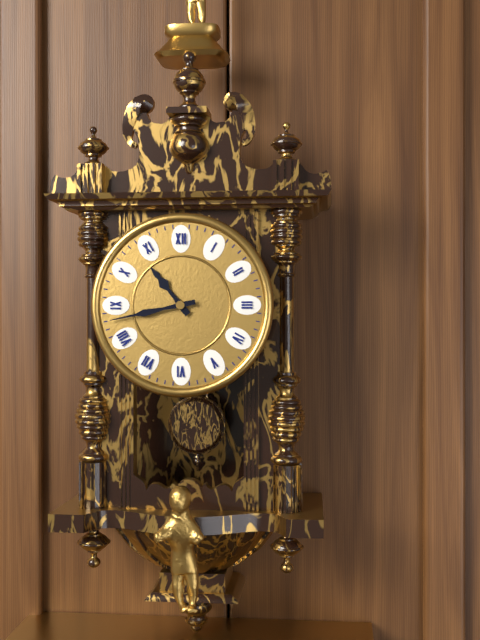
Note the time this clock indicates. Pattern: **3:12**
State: **10:43**
